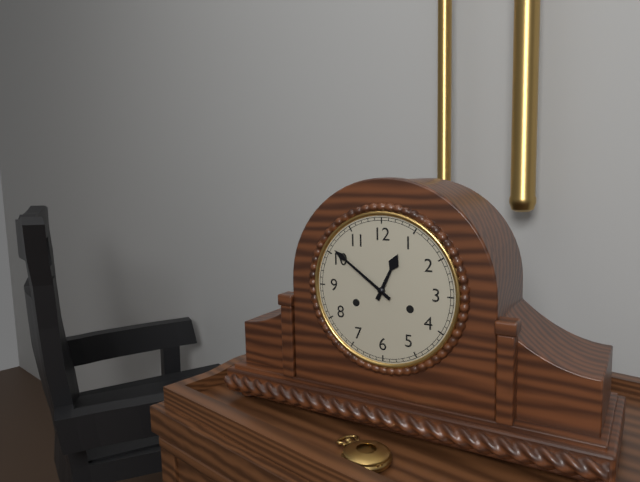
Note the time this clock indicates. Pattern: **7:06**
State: **12:51**
